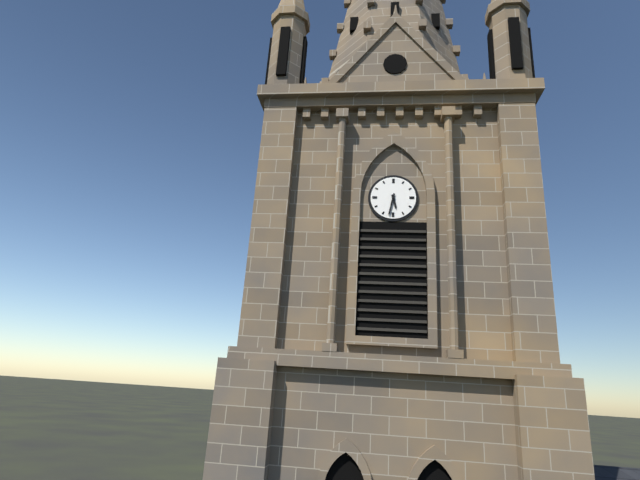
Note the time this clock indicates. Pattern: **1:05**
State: **5:32**
